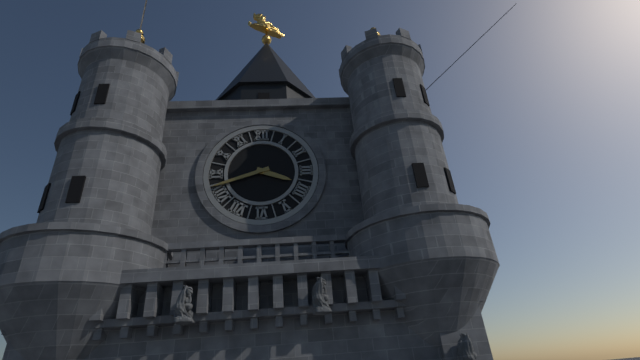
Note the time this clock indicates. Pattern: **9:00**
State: **3:42**
